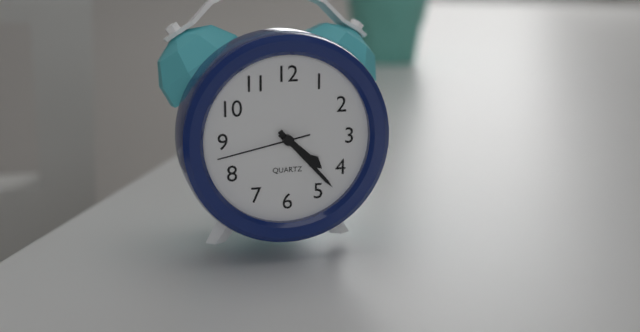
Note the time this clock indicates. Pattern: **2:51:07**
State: **4:23:43**
